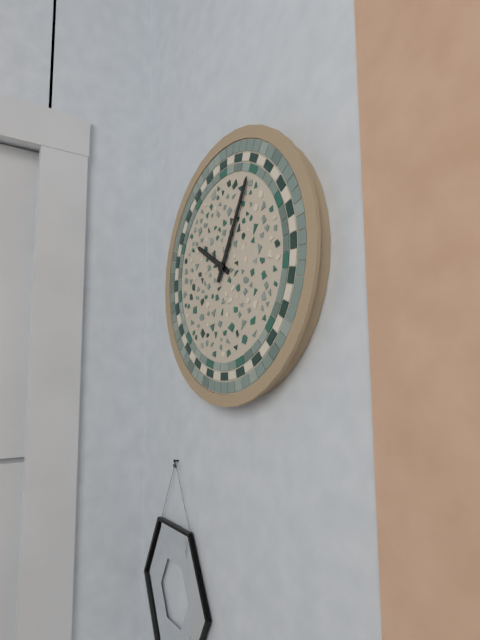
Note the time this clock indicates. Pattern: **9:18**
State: **10:05**
